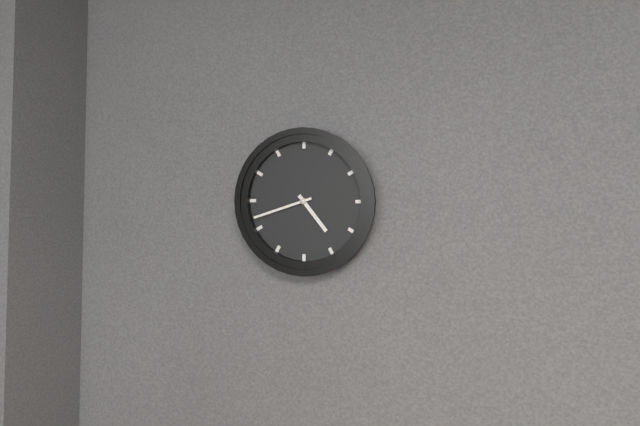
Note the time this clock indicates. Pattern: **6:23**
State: **4:42**
